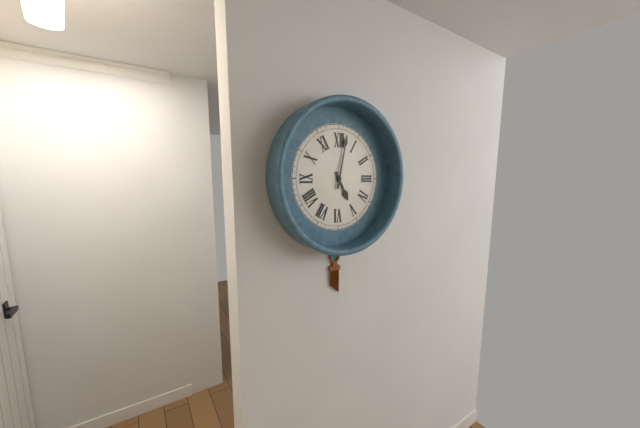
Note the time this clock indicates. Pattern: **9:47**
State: **5:02**
